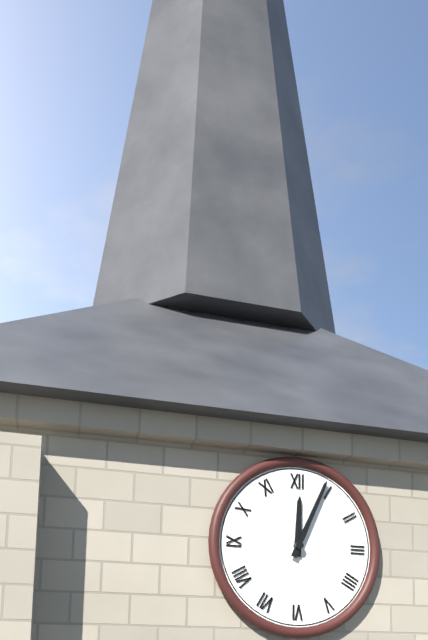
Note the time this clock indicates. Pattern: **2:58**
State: **12:04**
